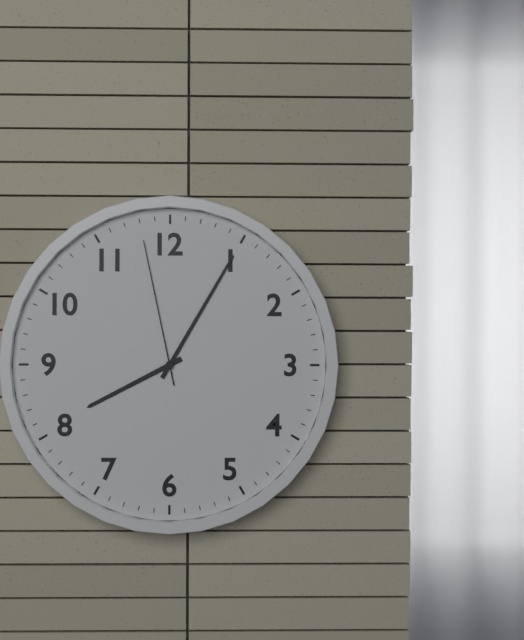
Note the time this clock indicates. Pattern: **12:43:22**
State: **8:05:58**
